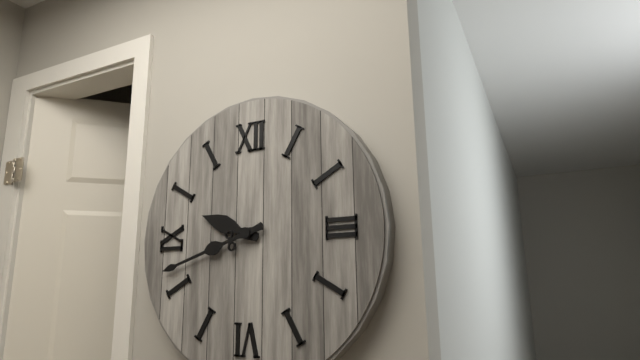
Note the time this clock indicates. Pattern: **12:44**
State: **9:42**
